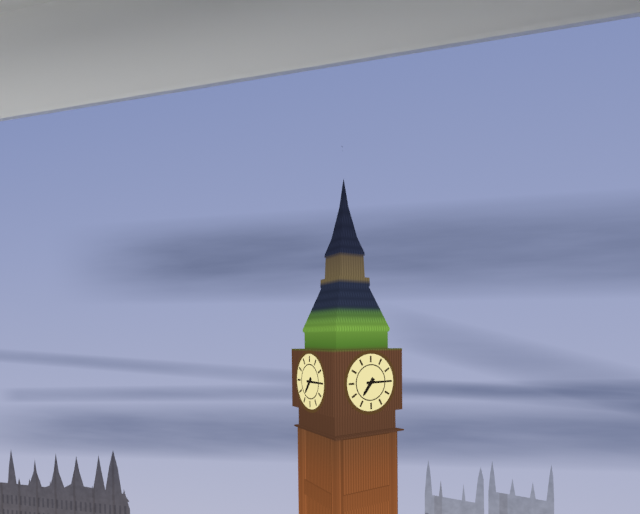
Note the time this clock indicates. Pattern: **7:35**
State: **7:15**
